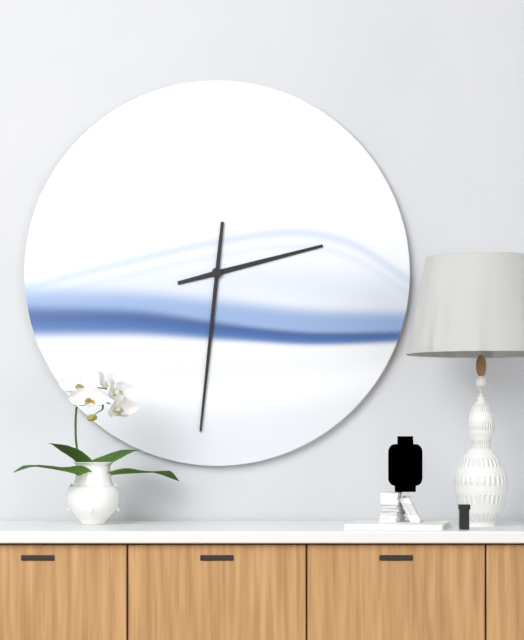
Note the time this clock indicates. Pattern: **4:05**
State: **2:31**
